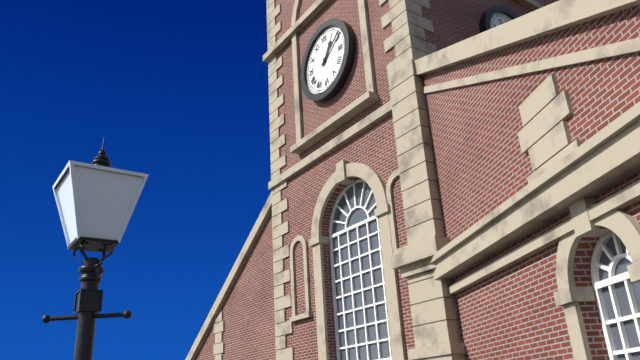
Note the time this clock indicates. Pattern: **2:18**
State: **1:09**
